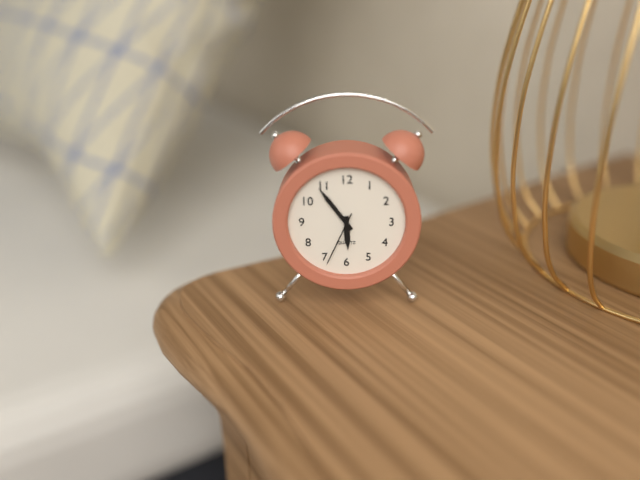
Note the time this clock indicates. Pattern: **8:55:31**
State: **5:54:34**
